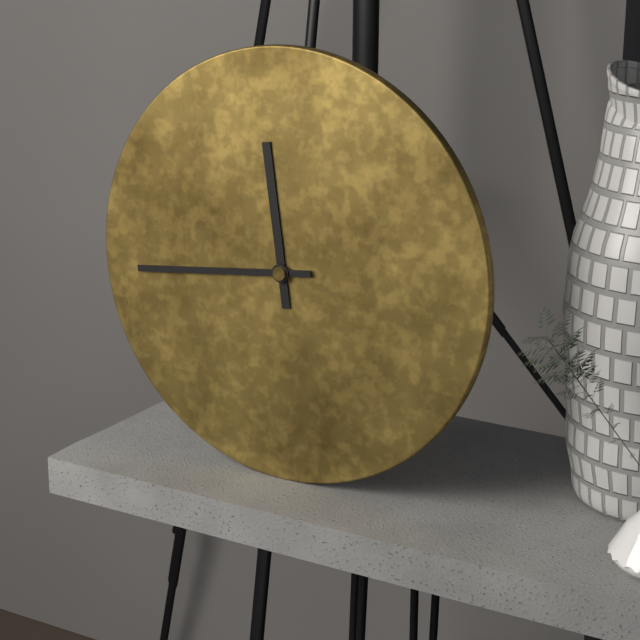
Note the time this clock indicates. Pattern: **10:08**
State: **11:44**
